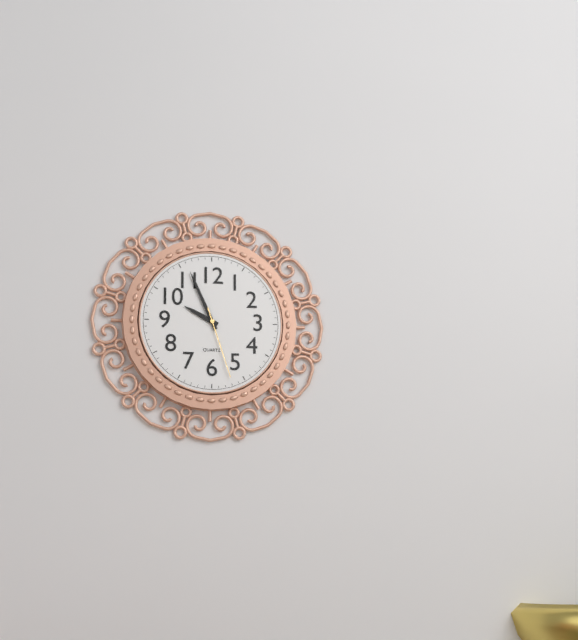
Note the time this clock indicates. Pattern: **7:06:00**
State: **9:56:27**
